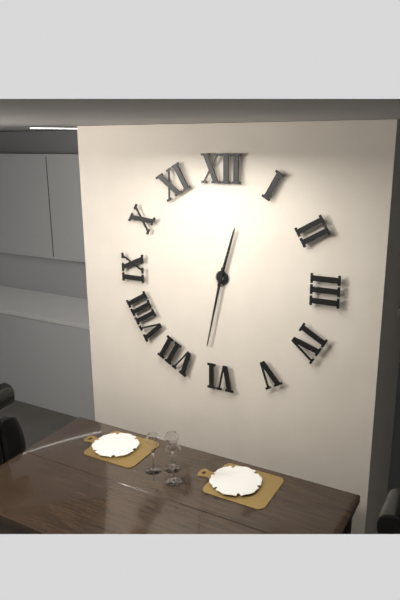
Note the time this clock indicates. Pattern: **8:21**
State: **12:32**
